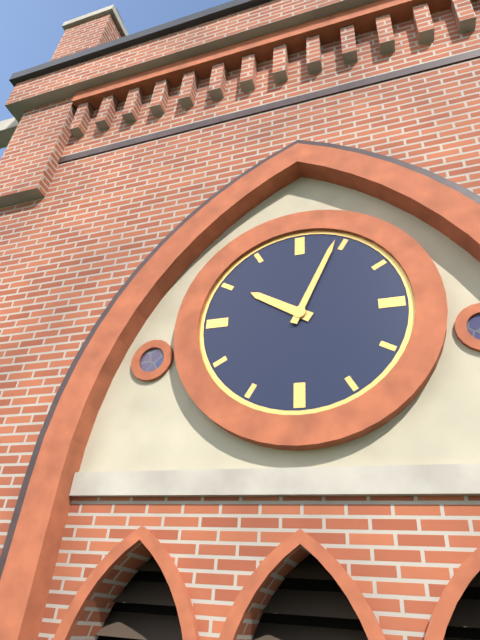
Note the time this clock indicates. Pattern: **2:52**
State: **10:04**
